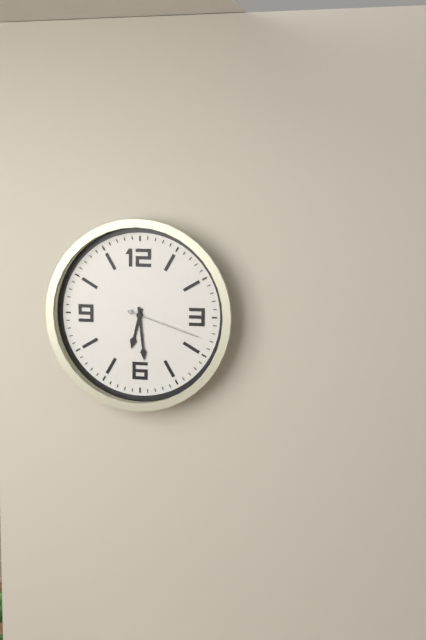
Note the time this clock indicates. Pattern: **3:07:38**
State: **6:29:18**
